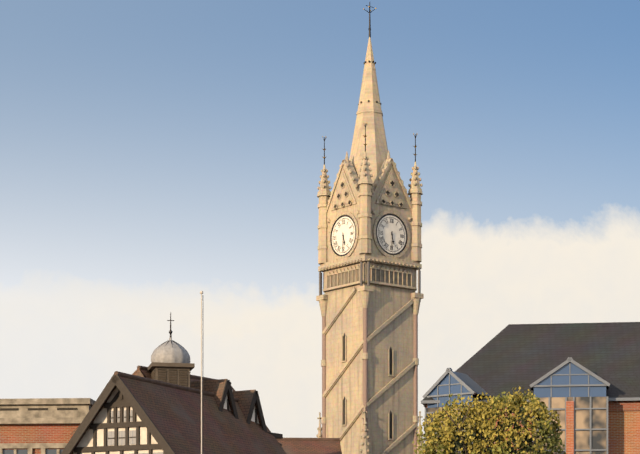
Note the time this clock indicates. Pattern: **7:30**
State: **5:30**
